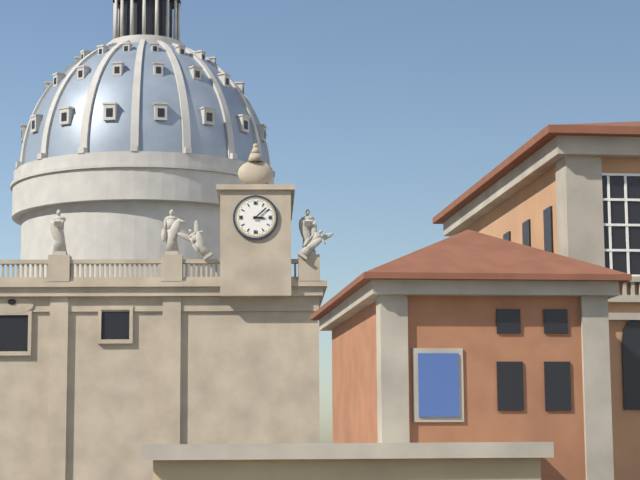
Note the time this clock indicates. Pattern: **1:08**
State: **3:08**
